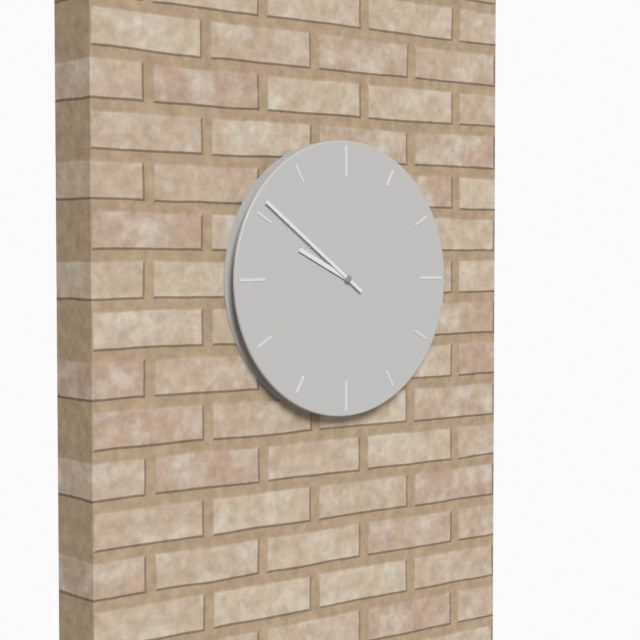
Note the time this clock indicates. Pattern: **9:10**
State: **9:51**
